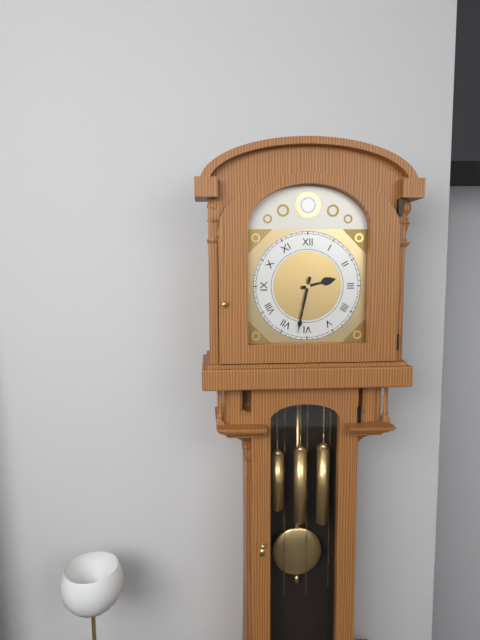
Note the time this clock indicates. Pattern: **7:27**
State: **2:32**
